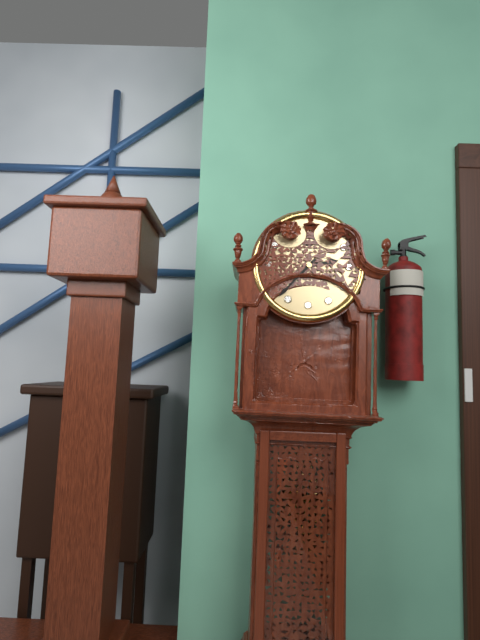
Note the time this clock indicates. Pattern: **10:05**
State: **2:37**
